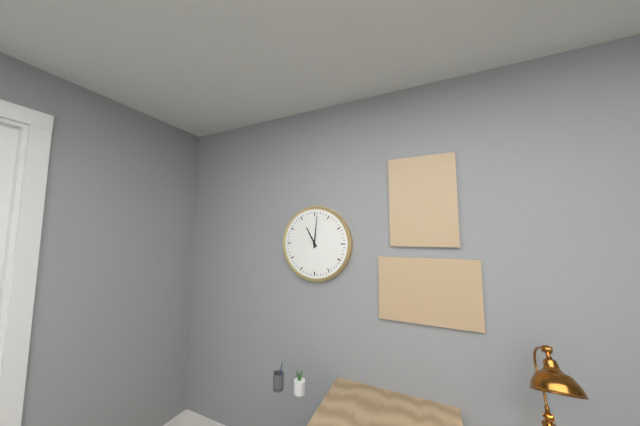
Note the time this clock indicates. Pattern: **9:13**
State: **11:01**
